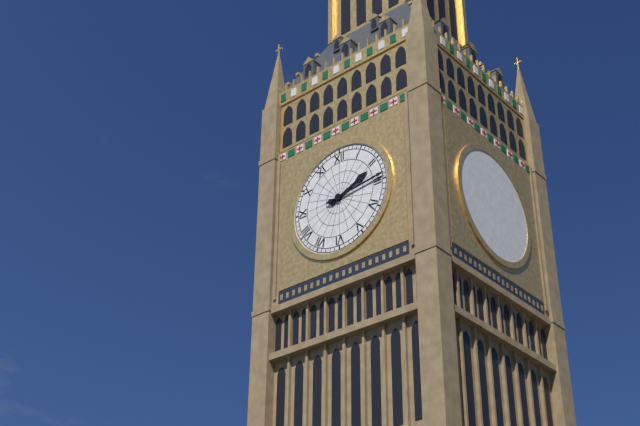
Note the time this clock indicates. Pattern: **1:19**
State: **2:14**
